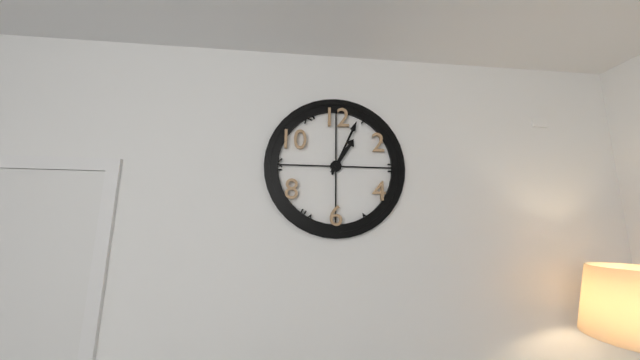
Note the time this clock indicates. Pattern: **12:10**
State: **1:04**
